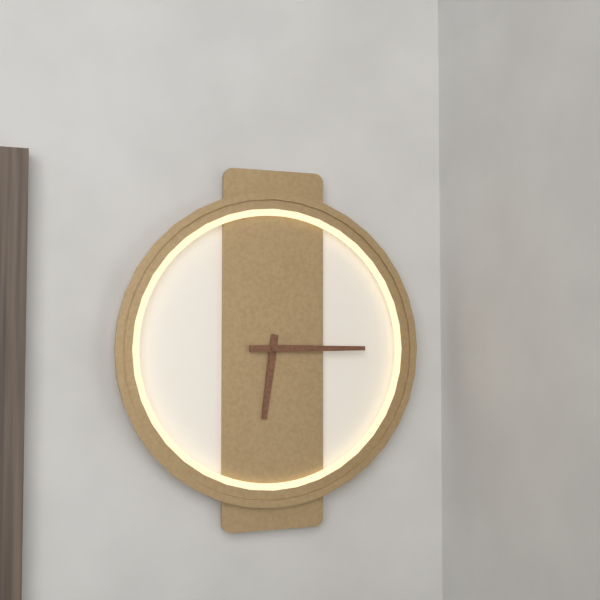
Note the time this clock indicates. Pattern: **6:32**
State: **6:15**
